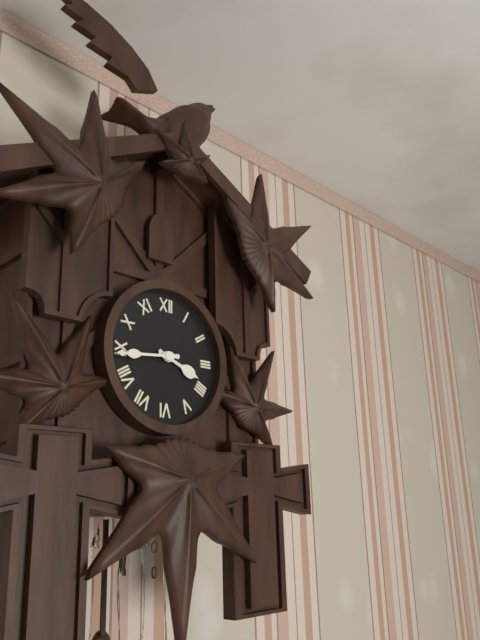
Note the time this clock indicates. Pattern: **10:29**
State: **3:44**
